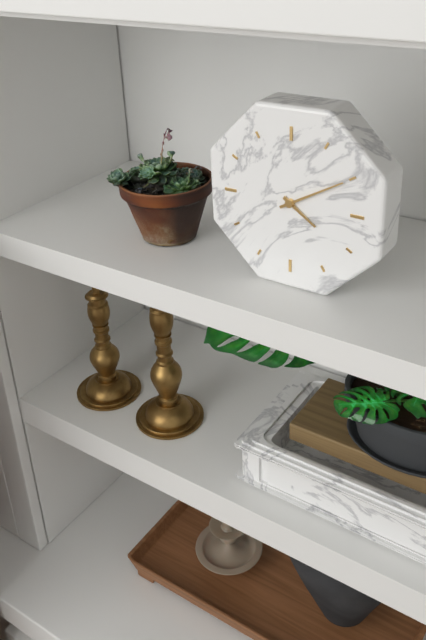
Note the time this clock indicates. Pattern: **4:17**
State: **4:10**
